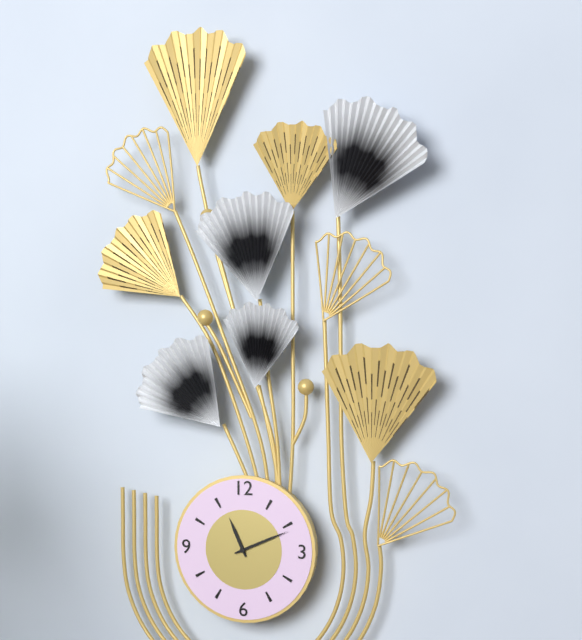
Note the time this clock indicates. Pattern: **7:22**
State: **11:11**
